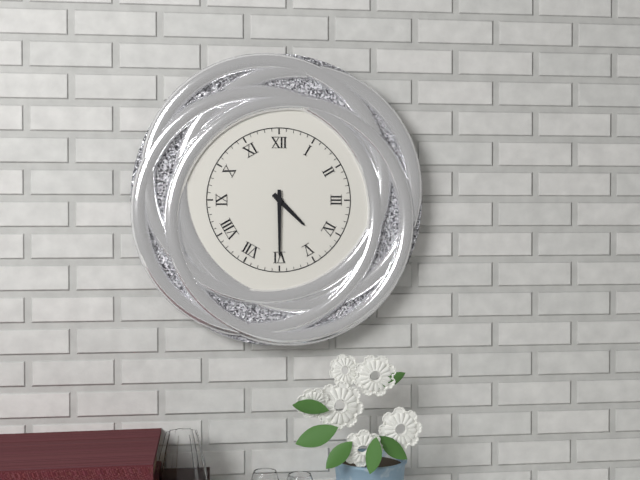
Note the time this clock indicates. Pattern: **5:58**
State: **4:30**
